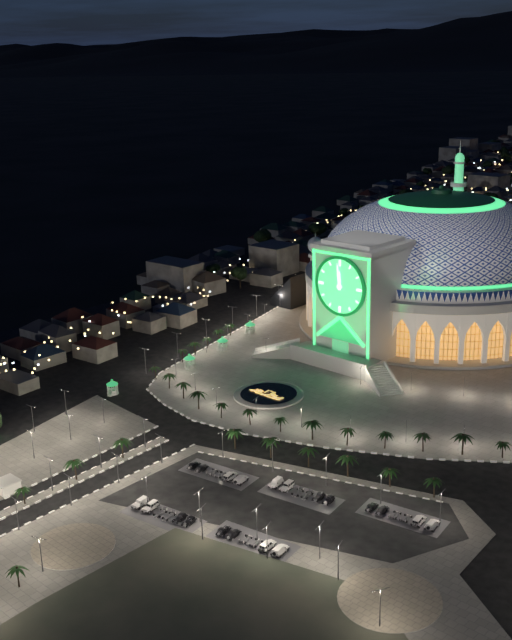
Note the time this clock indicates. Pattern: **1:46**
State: **11:59**
